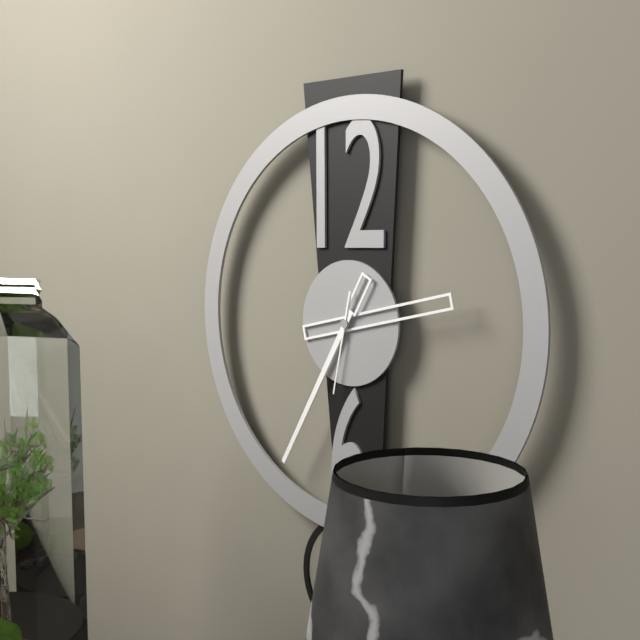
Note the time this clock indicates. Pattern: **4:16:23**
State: **2:35:32**
